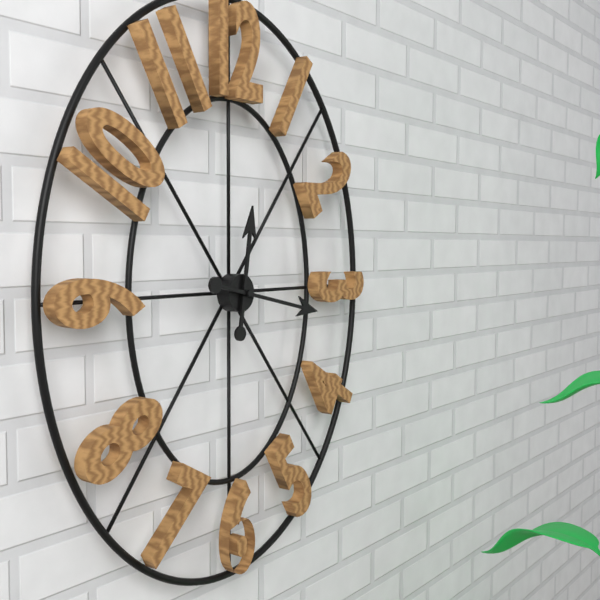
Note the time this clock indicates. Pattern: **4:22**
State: **12:17**
